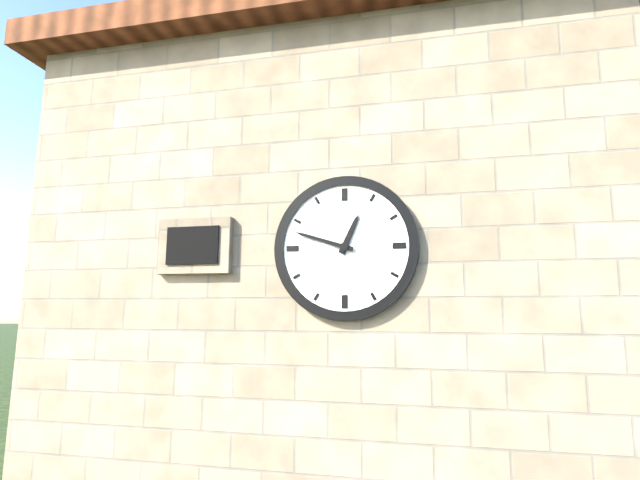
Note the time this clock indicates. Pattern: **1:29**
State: **12:48**
